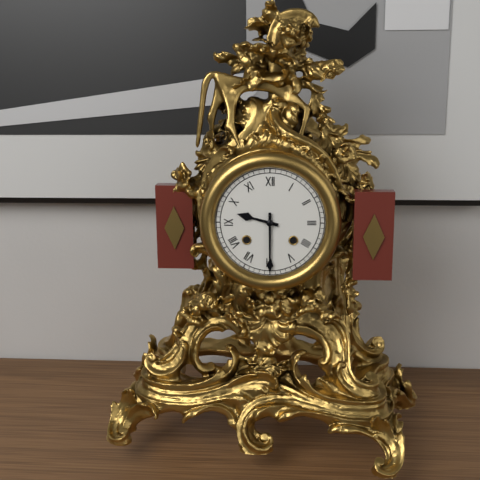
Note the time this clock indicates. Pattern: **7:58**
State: **9:30**
